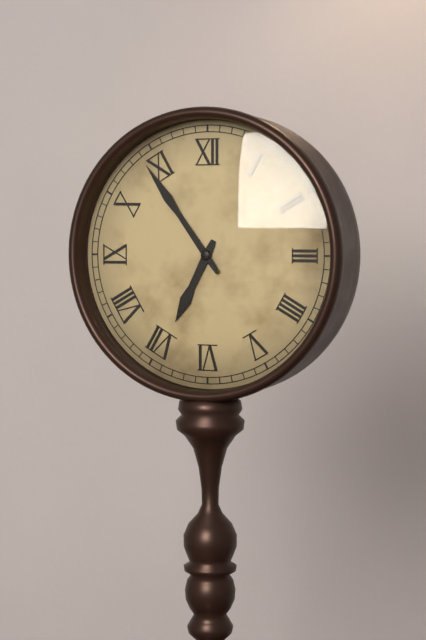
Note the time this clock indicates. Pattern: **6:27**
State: **6:54**
